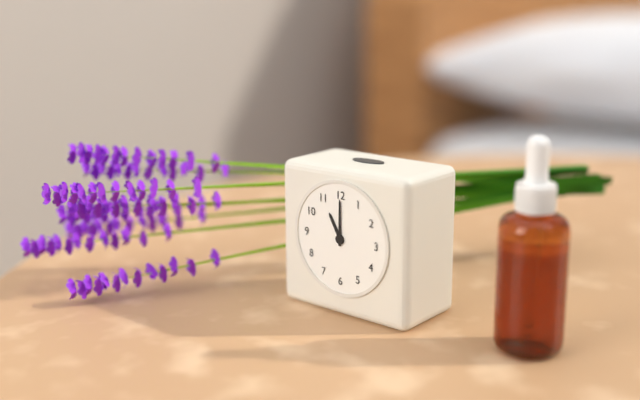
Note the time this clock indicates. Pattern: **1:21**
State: **11:00**
